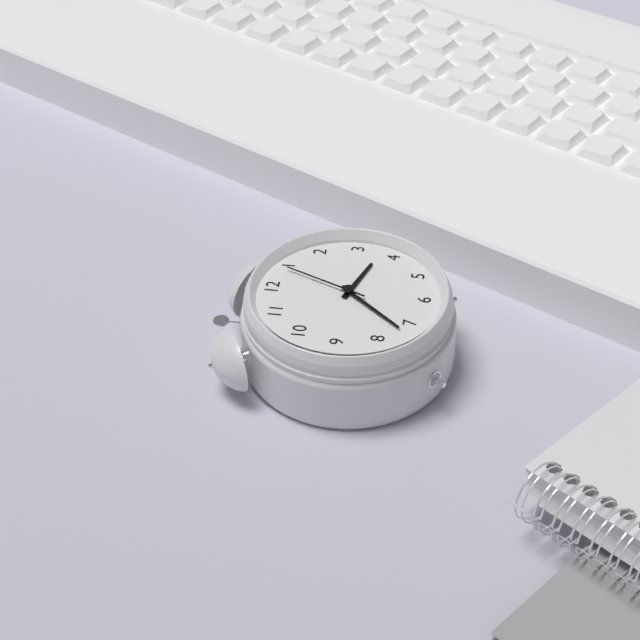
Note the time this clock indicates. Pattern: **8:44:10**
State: **3:37:04**
